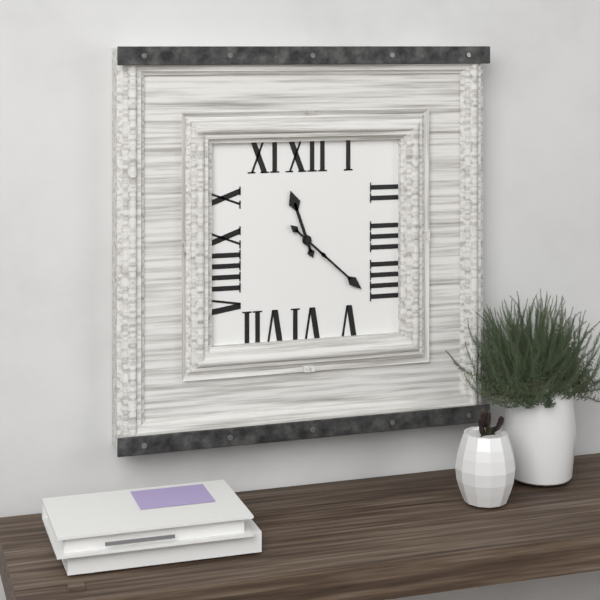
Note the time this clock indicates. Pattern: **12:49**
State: **11:22**
